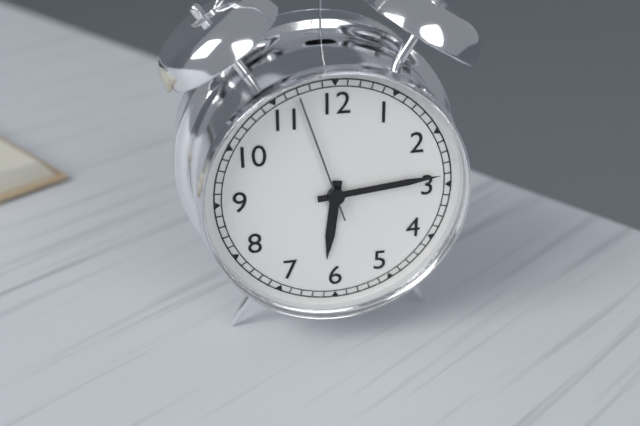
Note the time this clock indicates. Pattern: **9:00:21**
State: **6:14:57**
